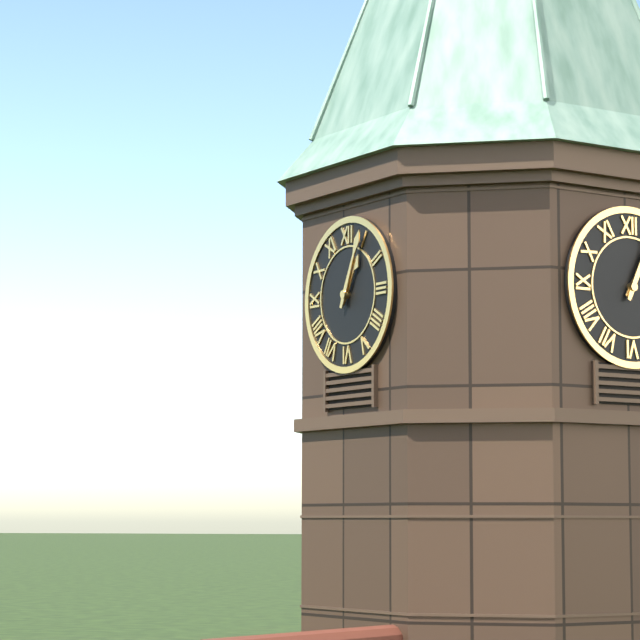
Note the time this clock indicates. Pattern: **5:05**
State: **1:04**
